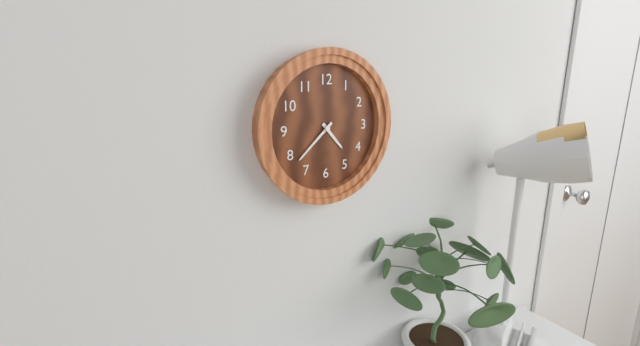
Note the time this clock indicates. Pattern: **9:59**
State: **4:38**
